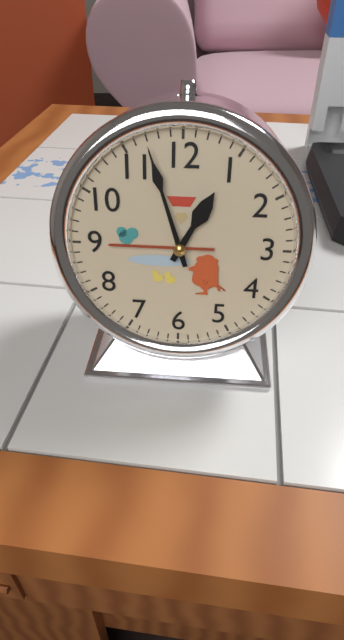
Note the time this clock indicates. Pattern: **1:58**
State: **12:57**
